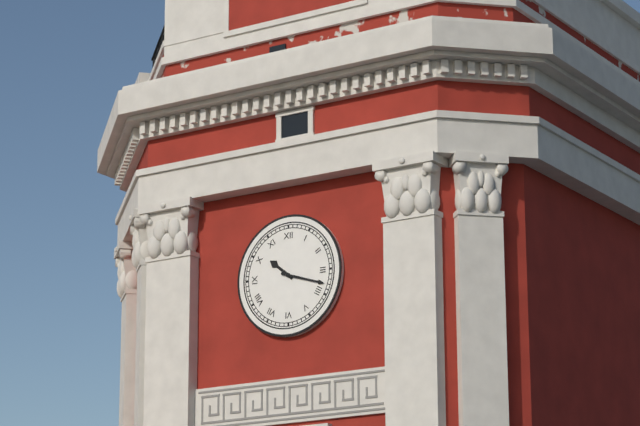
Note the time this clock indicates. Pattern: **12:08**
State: **10:18**
